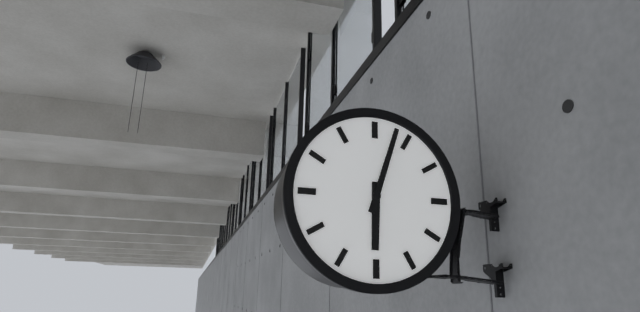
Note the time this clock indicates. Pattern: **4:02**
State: **6:03**
